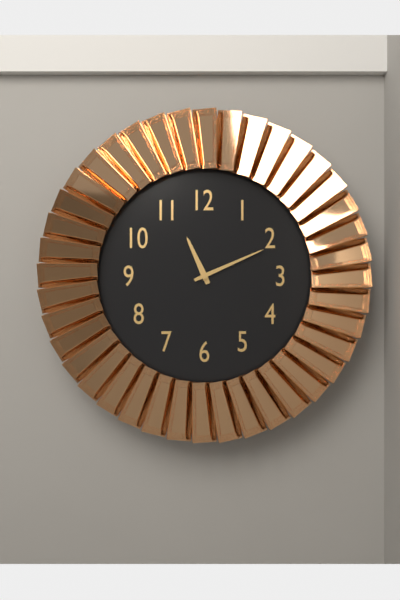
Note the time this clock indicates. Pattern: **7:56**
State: **11:11**
